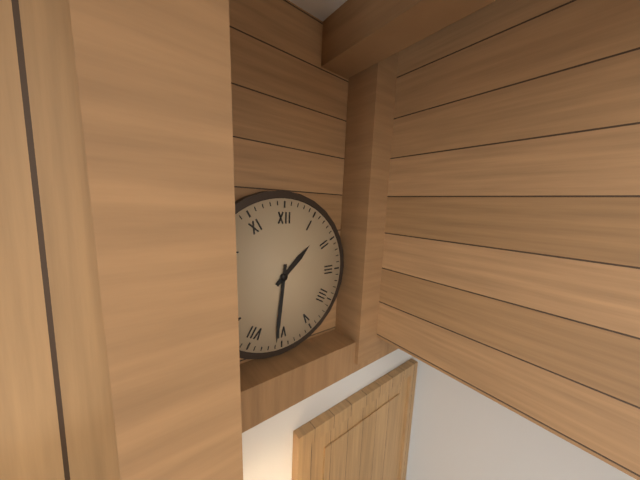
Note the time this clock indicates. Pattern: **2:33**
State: **1:31**
